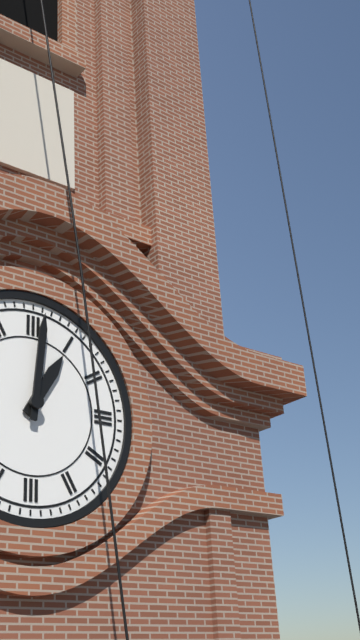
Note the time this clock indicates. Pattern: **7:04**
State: **1:01**
